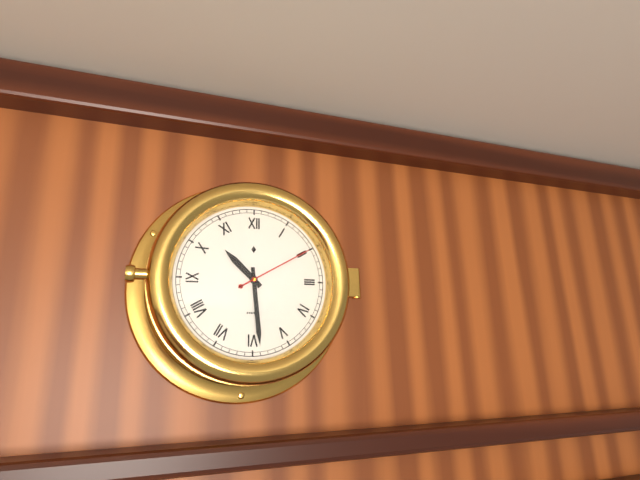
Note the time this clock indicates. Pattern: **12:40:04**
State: **10:29:10**
